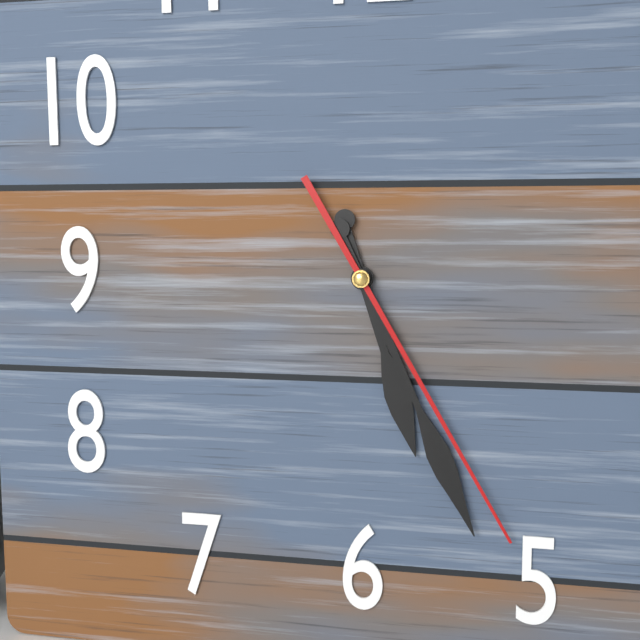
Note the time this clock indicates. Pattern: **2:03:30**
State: **5:26:25**
